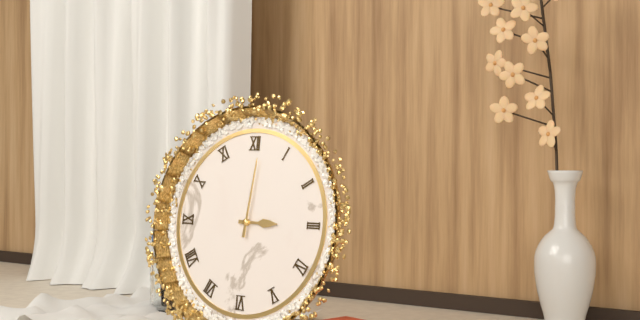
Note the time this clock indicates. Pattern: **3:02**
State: **3:01**
